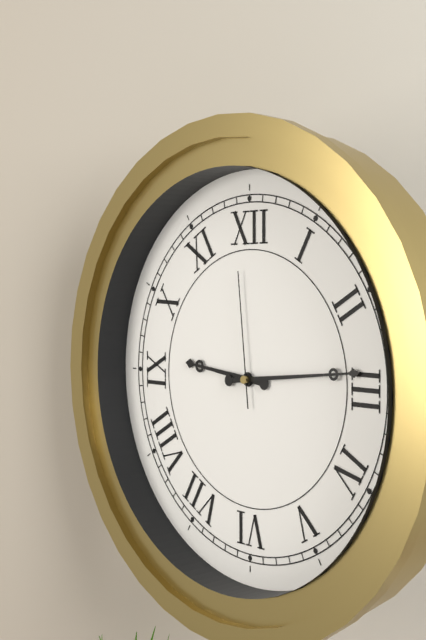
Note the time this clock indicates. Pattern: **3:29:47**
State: **9:14:59**
